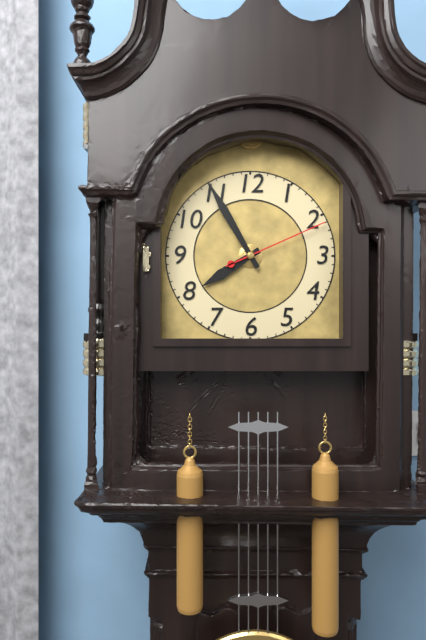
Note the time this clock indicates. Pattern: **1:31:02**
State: **7:55:11**
